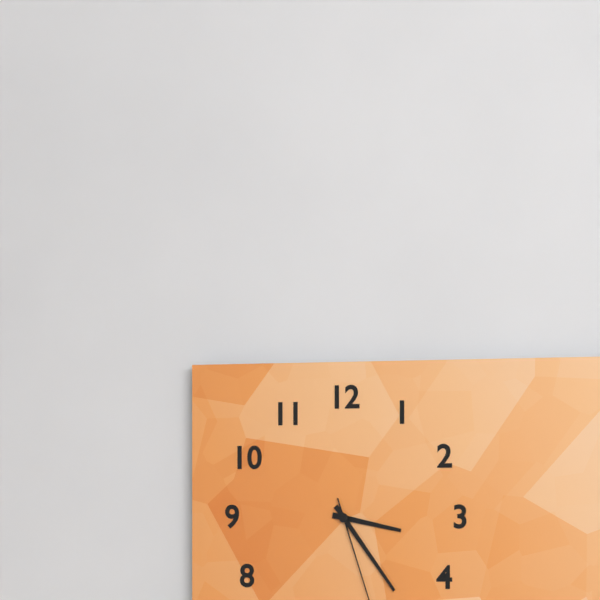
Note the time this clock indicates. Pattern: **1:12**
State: **3:24**
